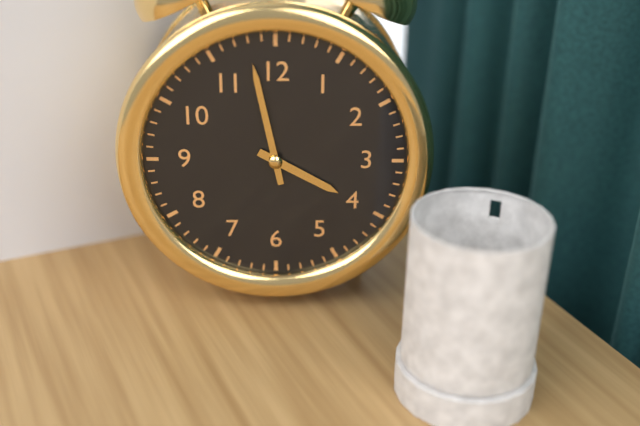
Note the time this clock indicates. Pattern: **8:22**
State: **3:58**
